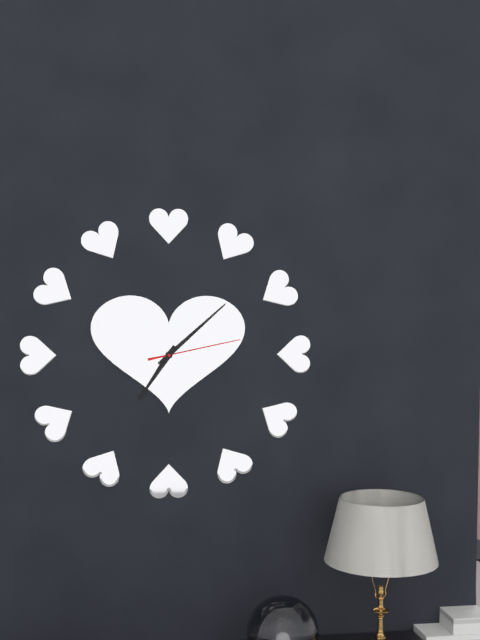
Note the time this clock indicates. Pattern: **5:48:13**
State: **7:08:13**
